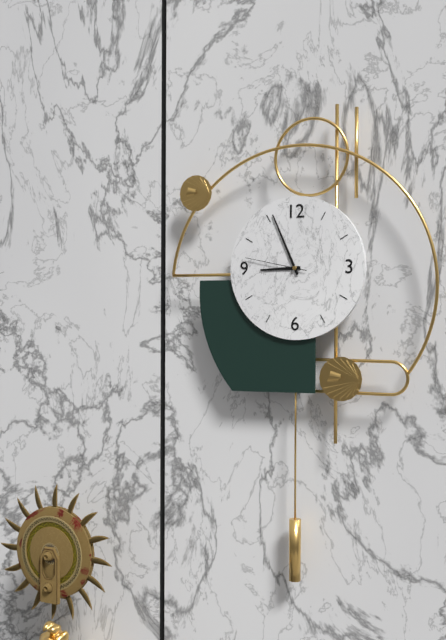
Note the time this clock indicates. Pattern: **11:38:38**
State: **8:56:47**
